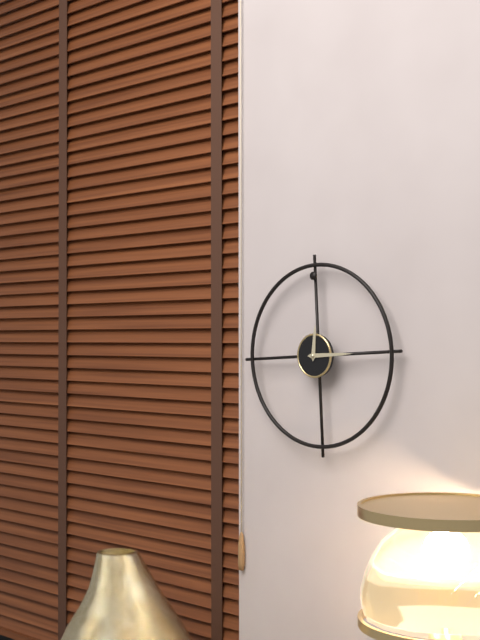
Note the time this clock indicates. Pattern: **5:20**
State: **12:15**
